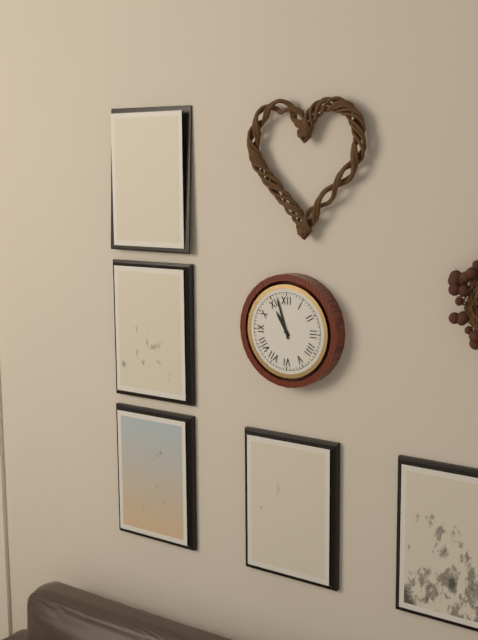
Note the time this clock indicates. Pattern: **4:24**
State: **10:57**
